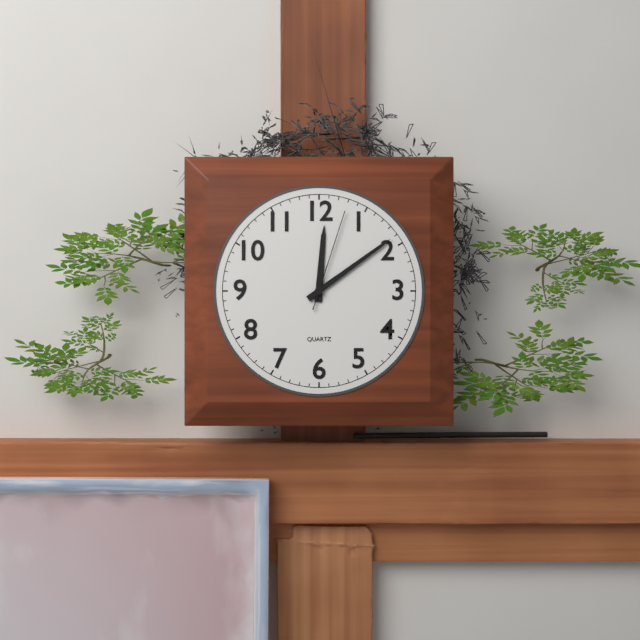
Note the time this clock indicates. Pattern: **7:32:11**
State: **12:09:03**
